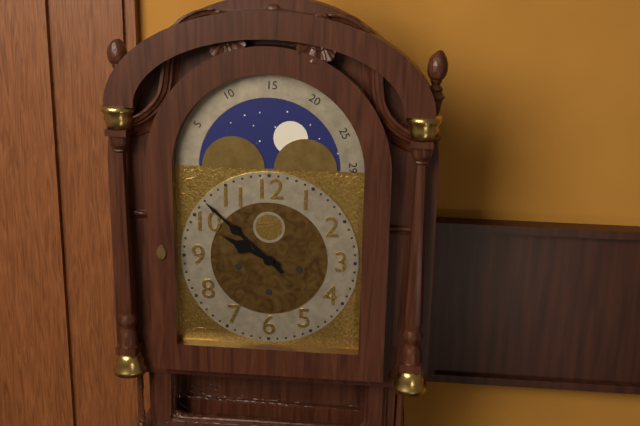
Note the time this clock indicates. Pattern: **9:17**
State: **9:52**
